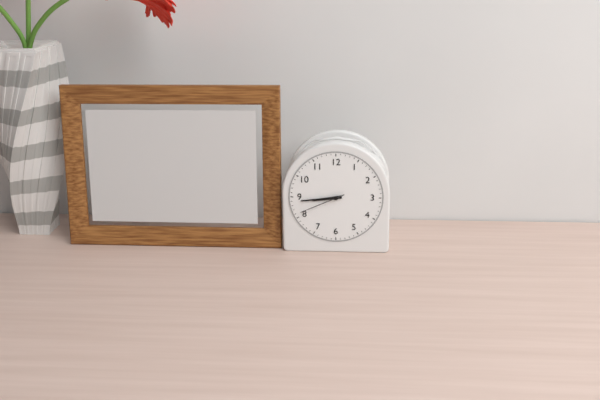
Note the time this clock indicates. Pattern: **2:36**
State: **8:44**
